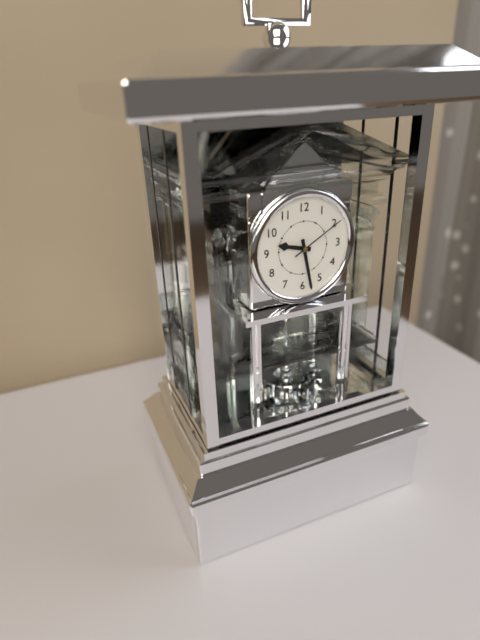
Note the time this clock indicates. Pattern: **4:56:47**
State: **9:28:10**
